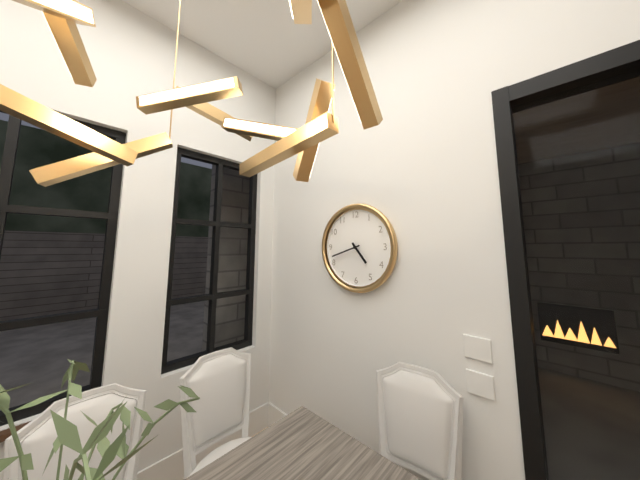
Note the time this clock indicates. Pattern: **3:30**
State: **4:42**
